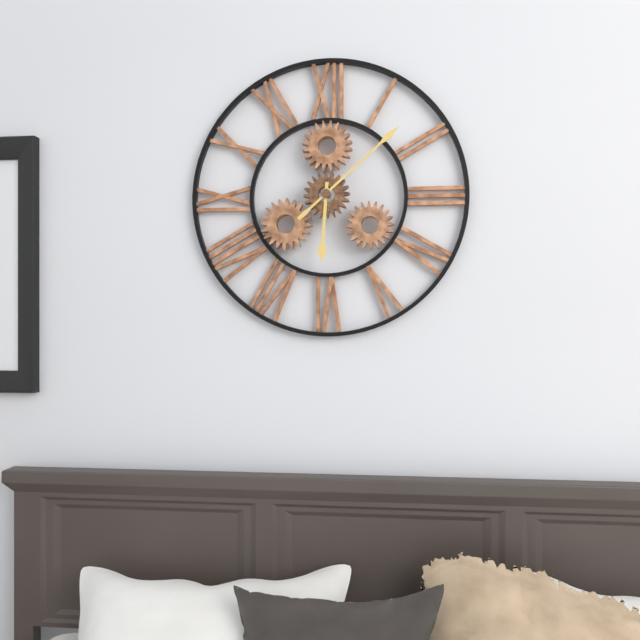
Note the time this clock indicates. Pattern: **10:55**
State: **6:08**
